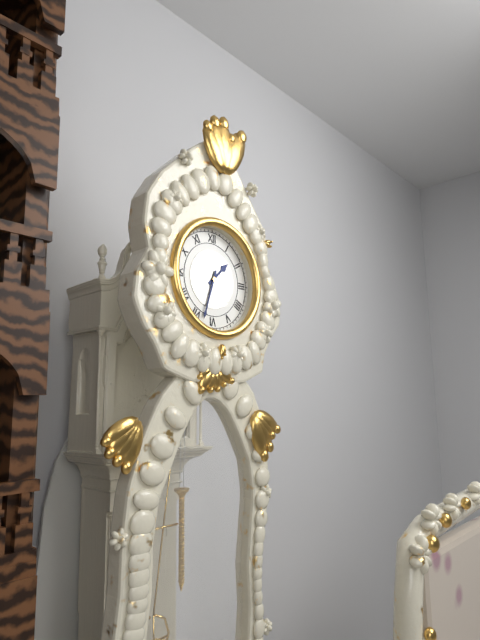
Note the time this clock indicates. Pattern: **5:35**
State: **1:33**
